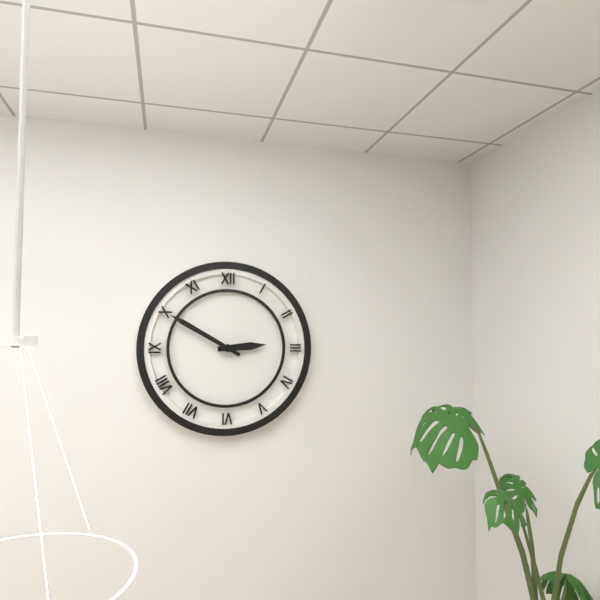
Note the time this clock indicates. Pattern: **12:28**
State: **2:50**
